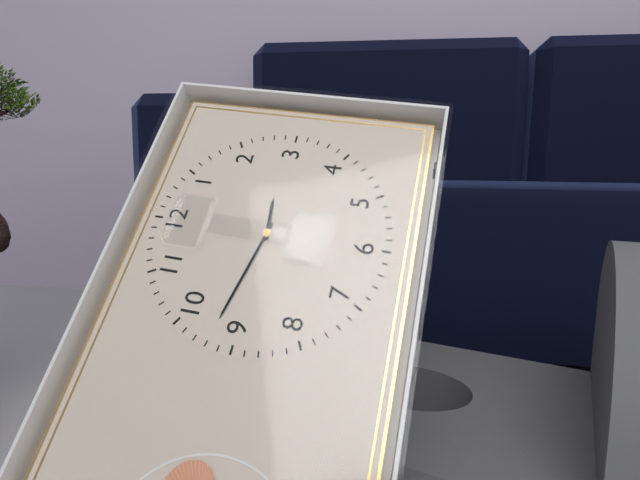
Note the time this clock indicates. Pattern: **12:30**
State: **2:47**
